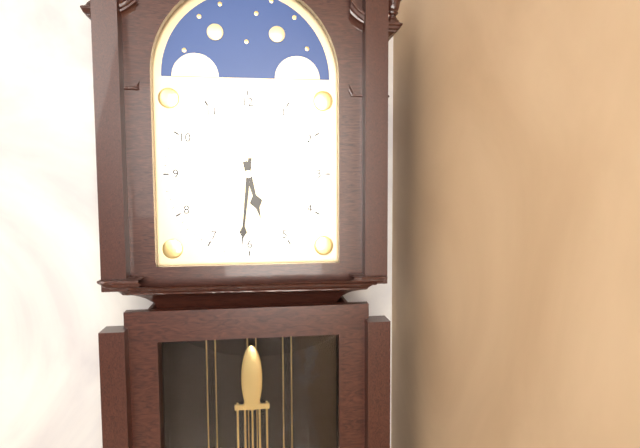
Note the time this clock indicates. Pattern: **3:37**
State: **5:31**
